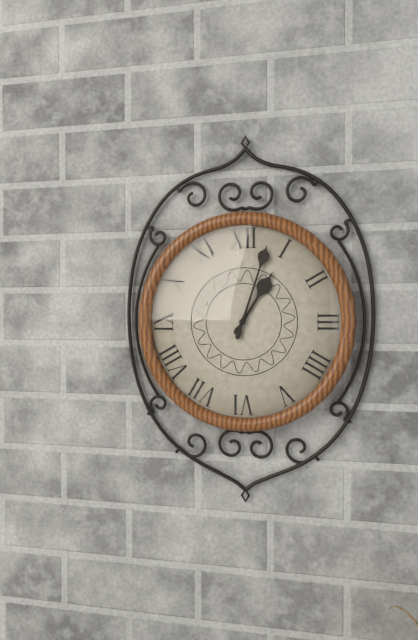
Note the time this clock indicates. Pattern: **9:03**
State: **1:03**
